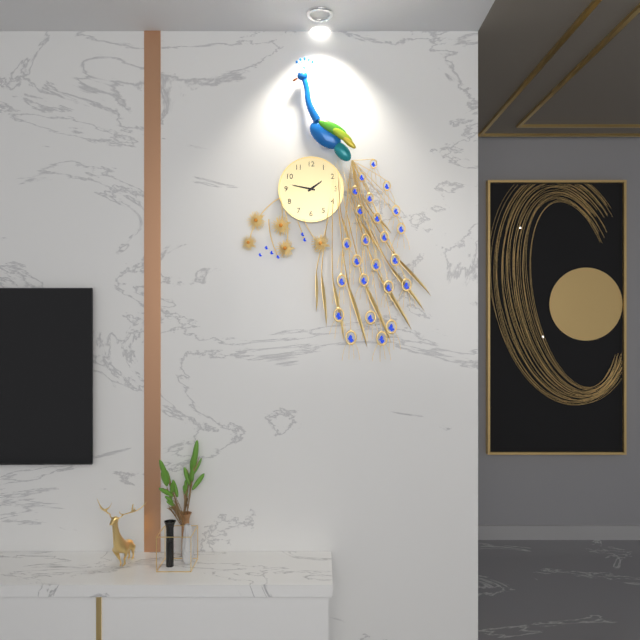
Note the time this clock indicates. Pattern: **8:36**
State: **1:47**
